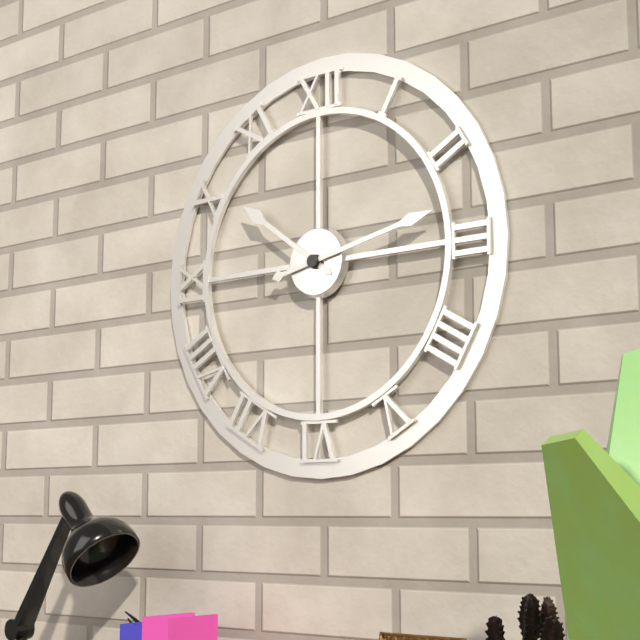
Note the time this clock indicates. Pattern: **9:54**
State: **10:13**
